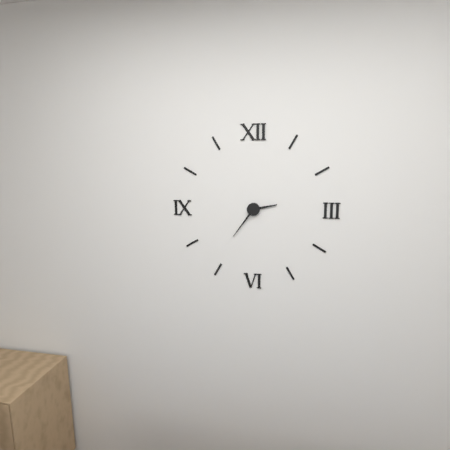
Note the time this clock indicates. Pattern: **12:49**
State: **2:36**
